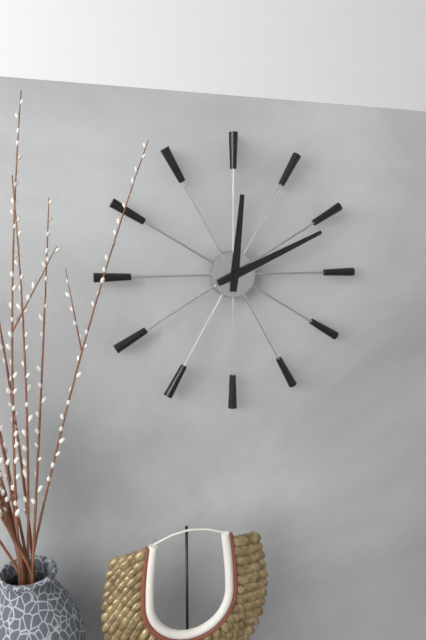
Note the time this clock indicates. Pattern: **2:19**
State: **12:11**
